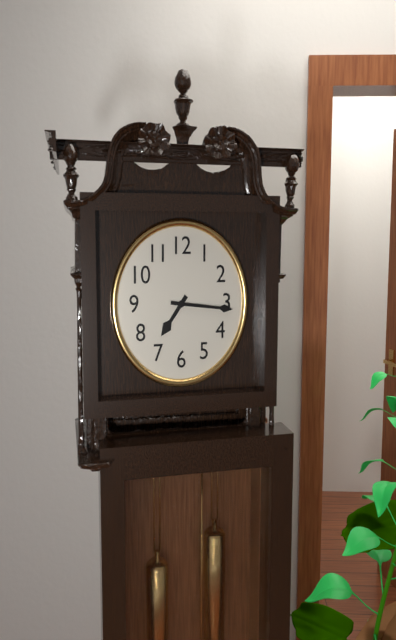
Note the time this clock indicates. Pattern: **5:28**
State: **7:16**
